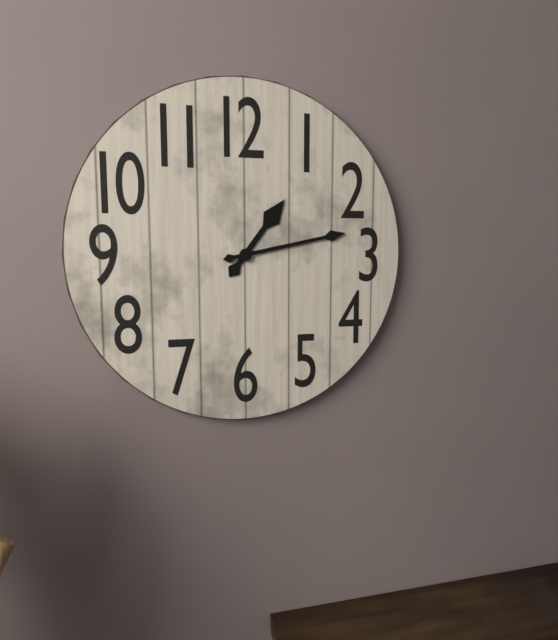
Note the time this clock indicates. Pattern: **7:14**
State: **1:13**
